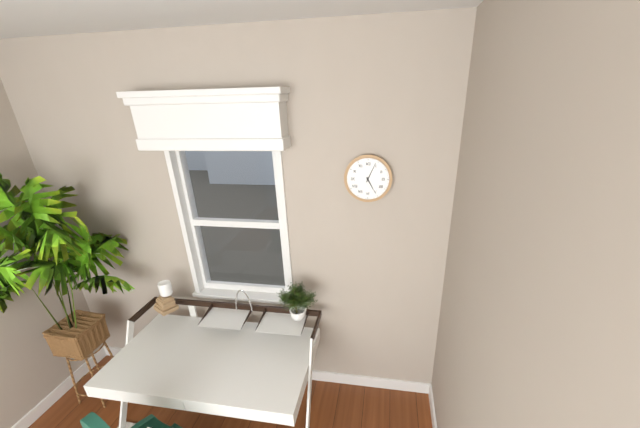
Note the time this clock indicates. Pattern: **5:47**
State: **5:04**
